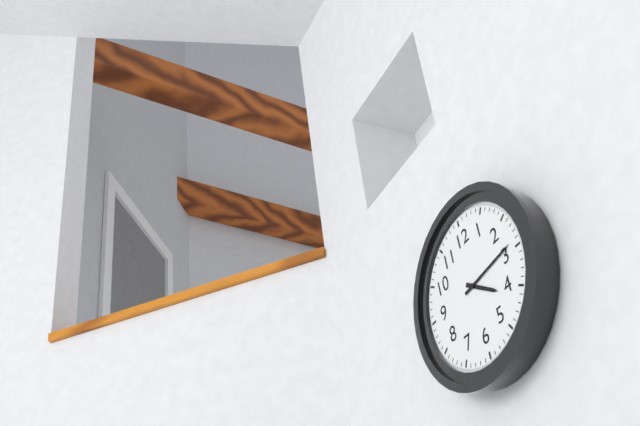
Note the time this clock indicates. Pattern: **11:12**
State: **4:14**
